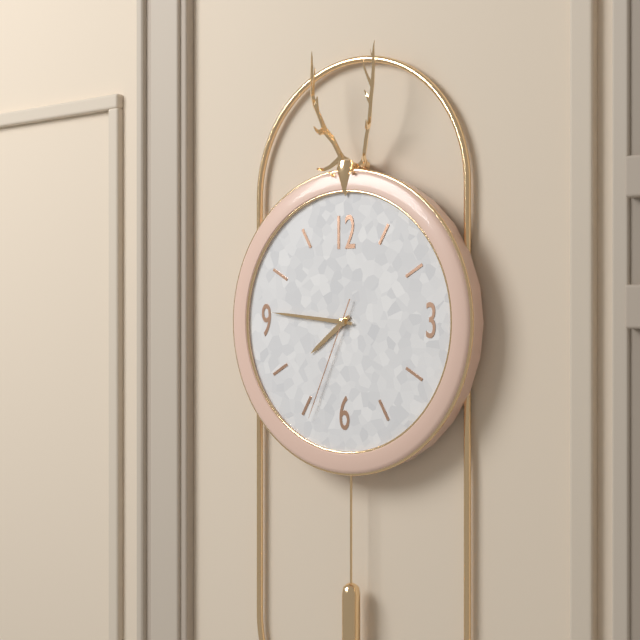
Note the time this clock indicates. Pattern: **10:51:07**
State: **7:46:34**
